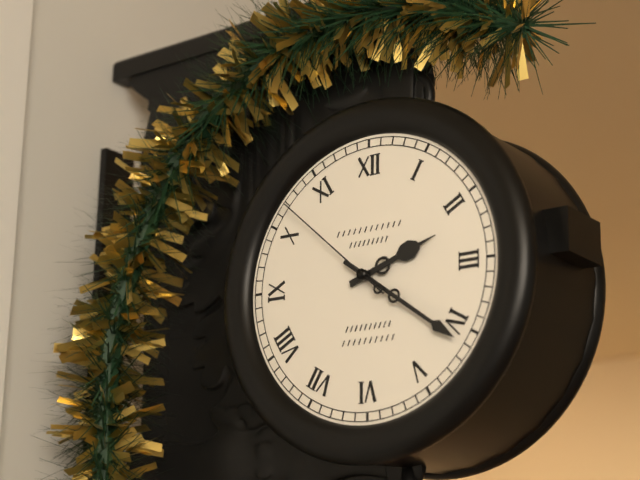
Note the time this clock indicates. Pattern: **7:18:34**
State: **2:21:52**
